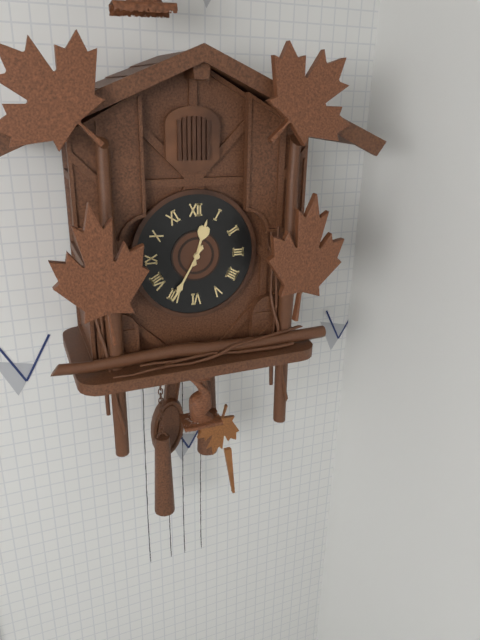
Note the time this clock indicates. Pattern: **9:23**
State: **12:35**
